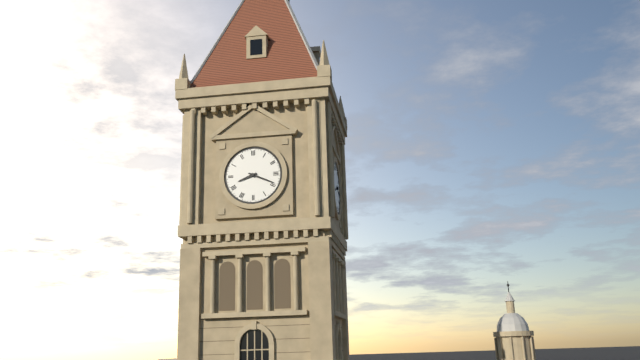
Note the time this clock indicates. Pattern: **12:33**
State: **8:19**
